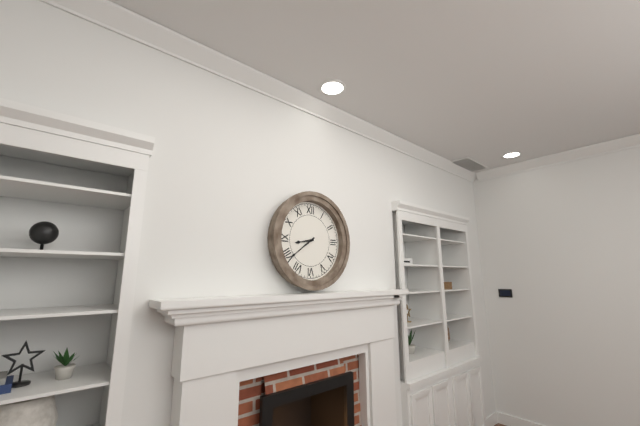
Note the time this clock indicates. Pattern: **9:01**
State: **8:39**
